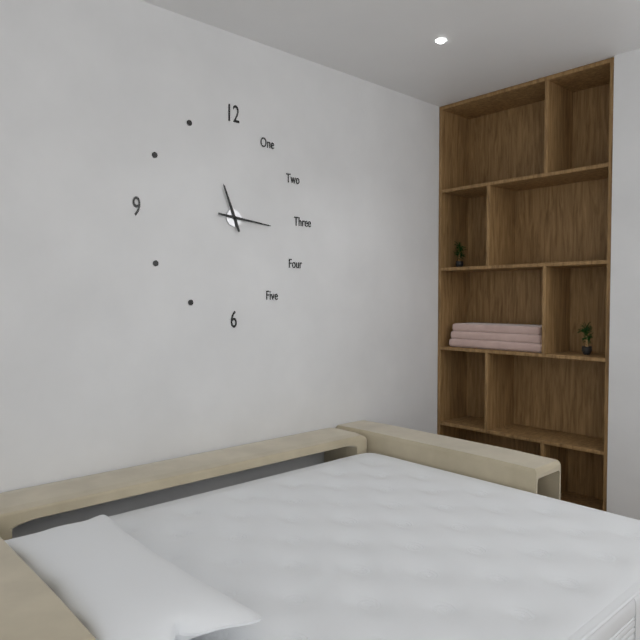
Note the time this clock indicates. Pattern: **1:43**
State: **11:16**
